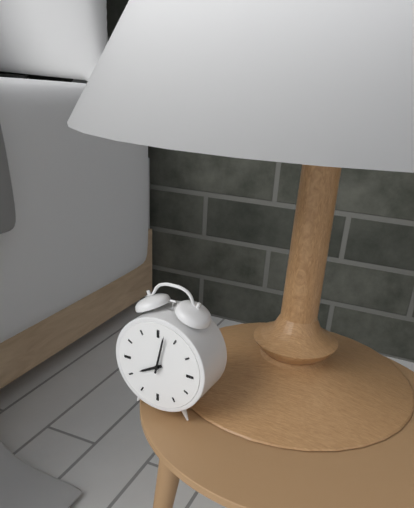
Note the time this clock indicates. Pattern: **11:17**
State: **8:02**
